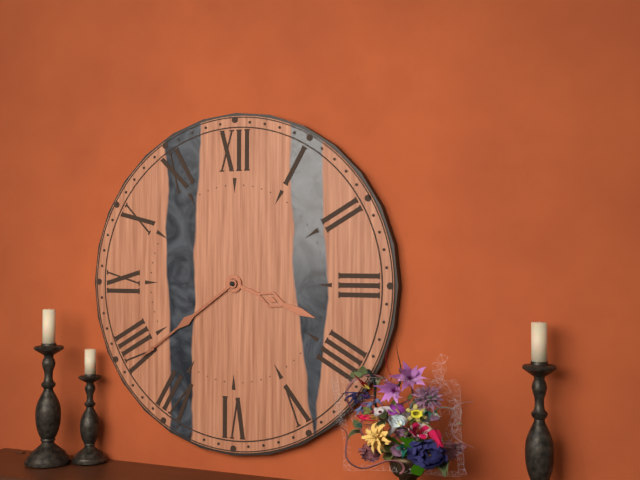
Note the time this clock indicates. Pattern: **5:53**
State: **3:39**
